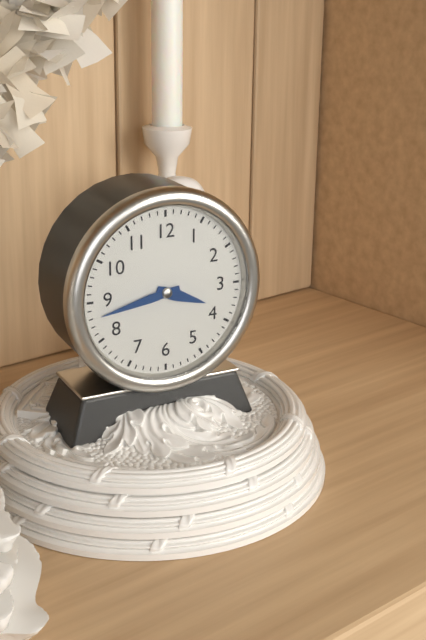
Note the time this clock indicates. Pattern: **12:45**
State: **3:43**
